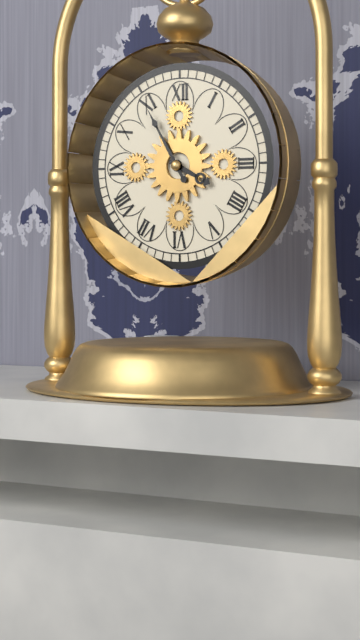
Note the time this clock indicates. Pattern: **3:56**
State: **3:55**
